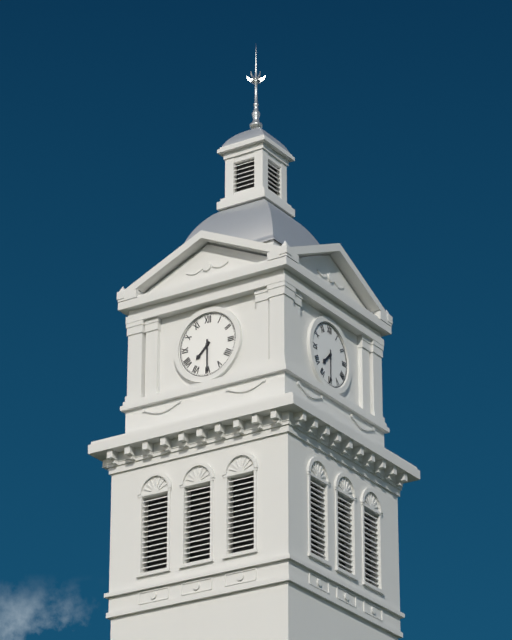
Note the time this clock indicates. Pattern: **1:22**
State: **7:30**
